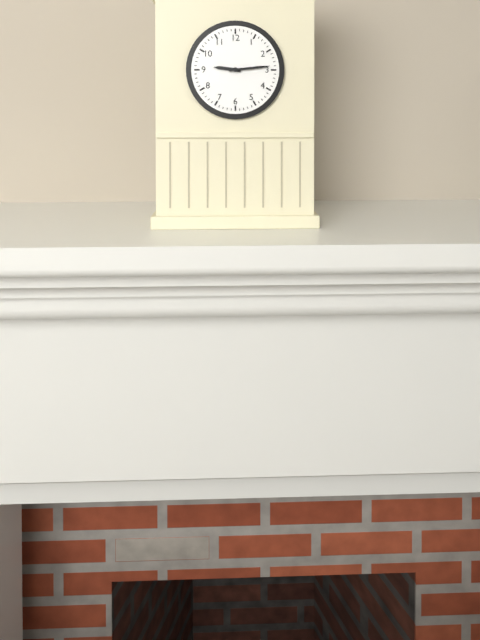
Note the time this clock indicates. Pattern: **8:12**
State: **9:14**
